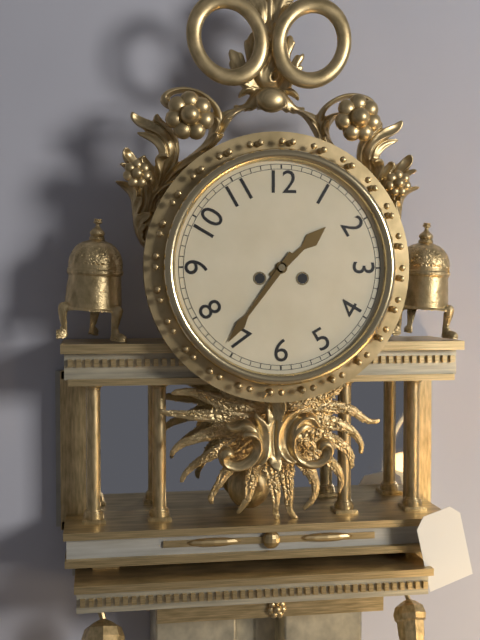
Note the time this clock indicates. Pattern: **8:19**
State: **1:36**
